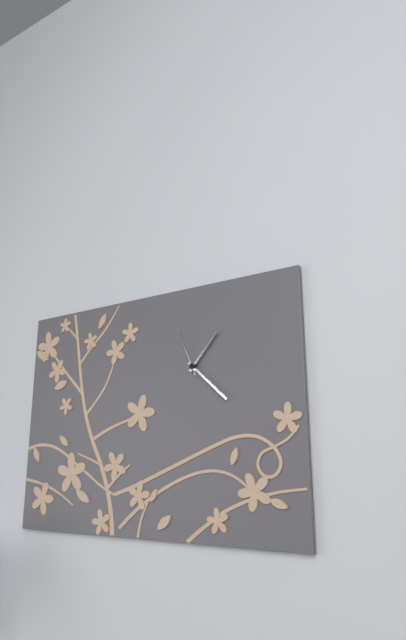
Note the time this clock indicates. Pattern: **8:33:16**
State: **1:22:56**
